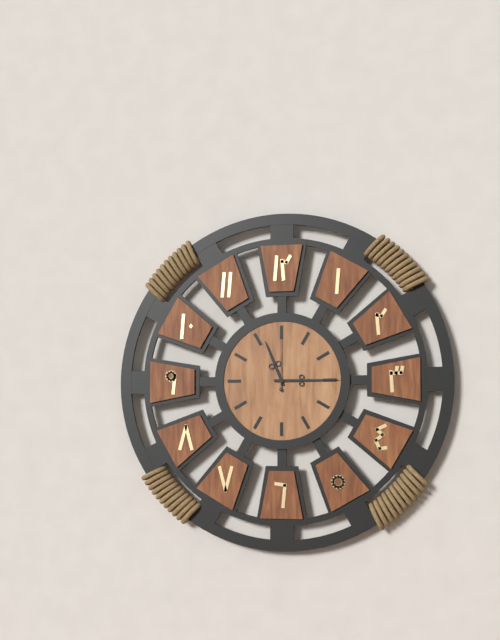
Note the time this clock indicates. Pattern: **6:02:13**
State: **11:15:00**
